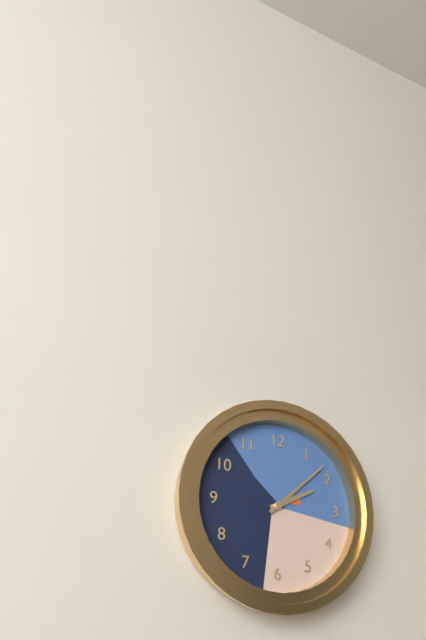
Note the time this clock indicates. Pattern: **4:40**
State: **2:08**
